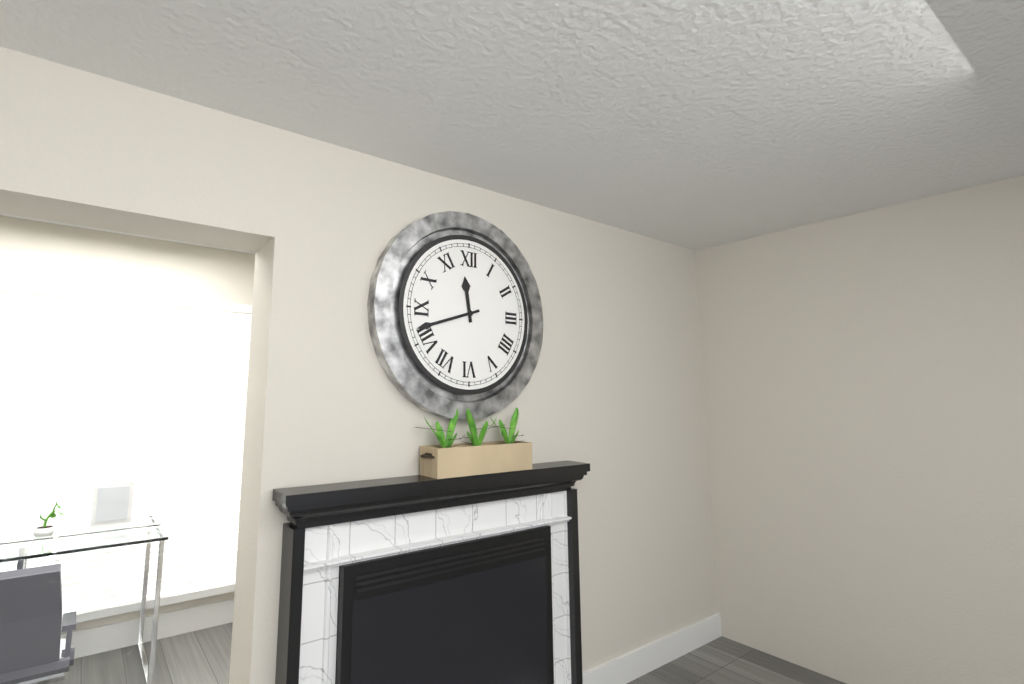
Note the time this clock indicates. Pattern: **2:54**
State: **11:42**
